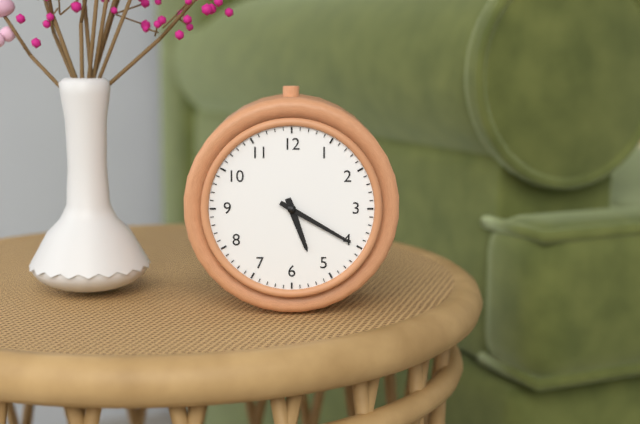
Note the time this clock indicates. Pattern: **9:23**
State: **5:20**
